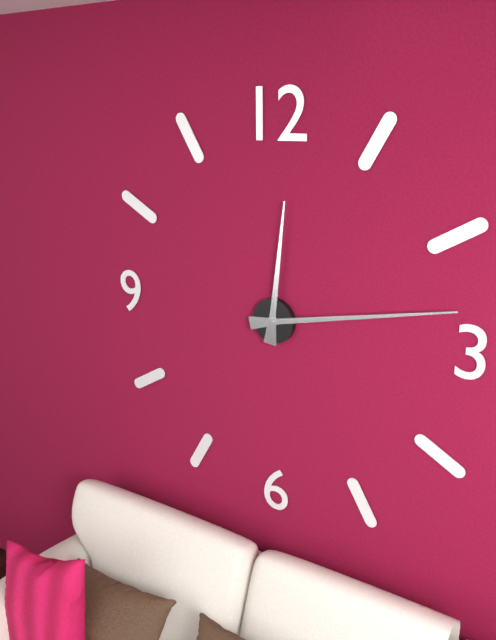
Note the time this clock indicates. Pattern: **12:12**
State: **12:13**
